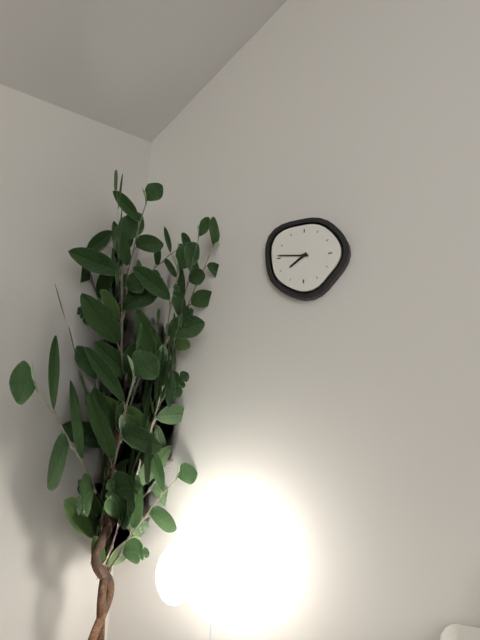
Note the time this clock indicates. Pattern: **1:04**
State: **7:46**
